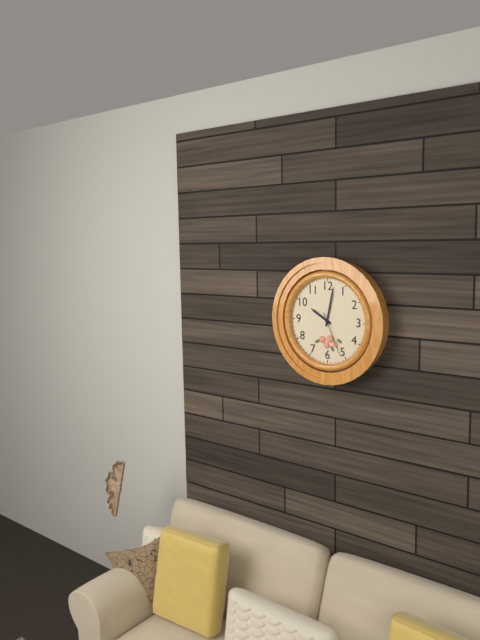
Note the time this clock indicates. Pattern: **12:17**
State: **10:02**
